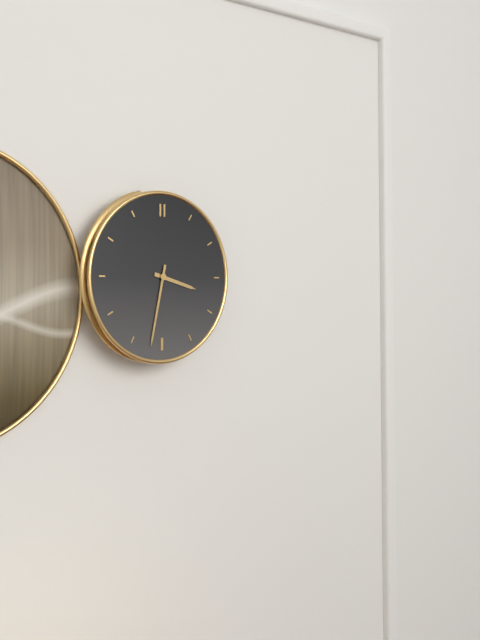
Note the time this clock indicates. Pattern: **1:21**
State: **3:32**
